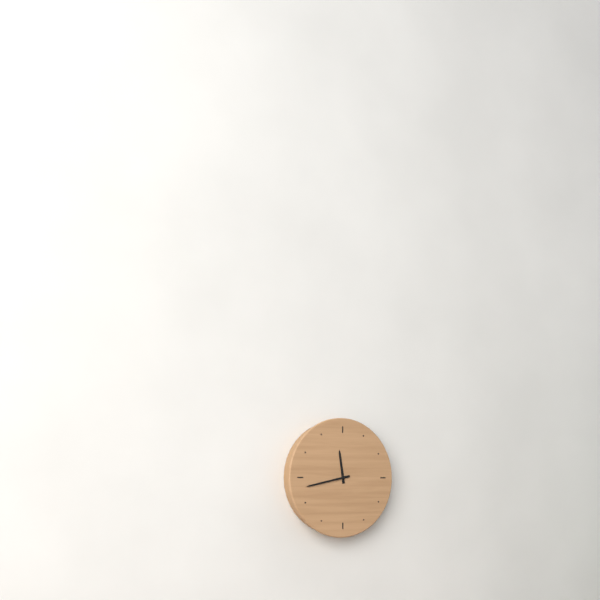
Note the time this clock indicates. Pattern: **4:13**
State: **11:43**
